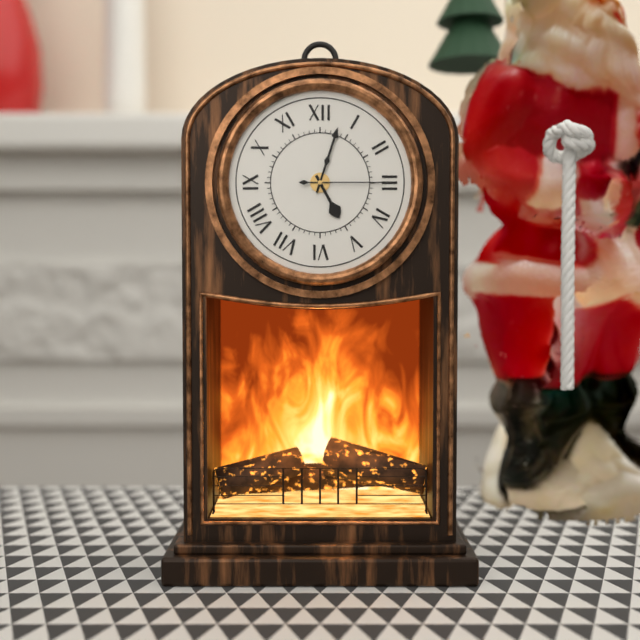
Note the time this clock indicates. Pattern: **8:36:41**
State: **5:03:15**
